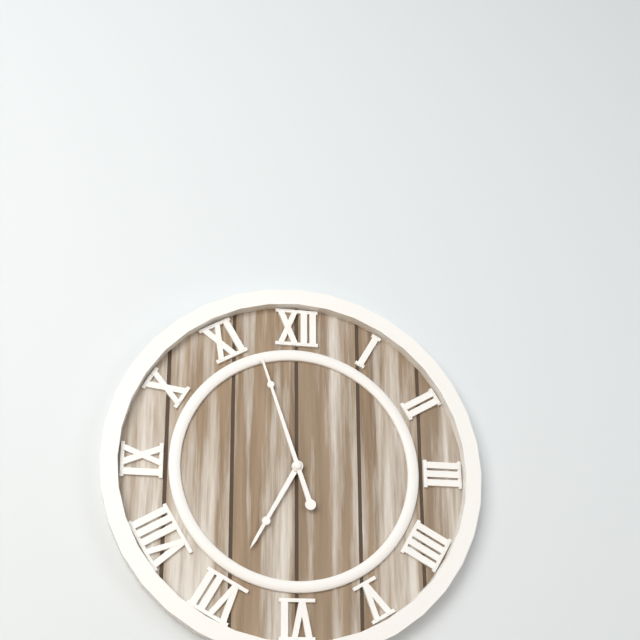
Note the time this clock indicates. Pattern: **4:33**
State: **6:57**
